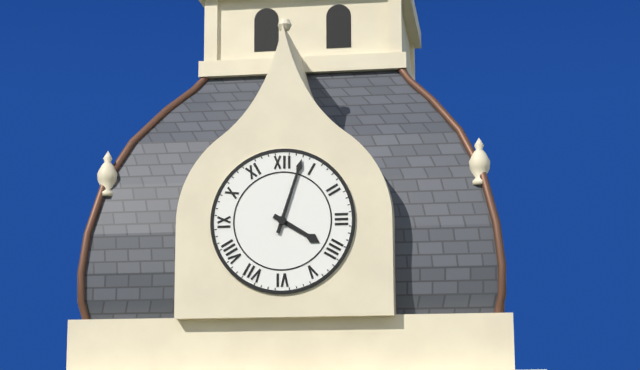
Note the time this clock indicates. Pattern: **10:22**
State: **4:03**
